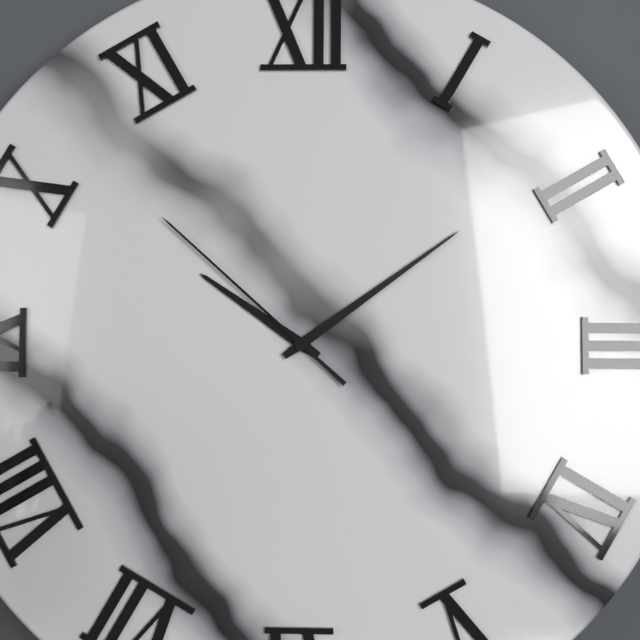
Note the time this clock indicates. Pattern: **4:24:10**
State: **10:09:52**
